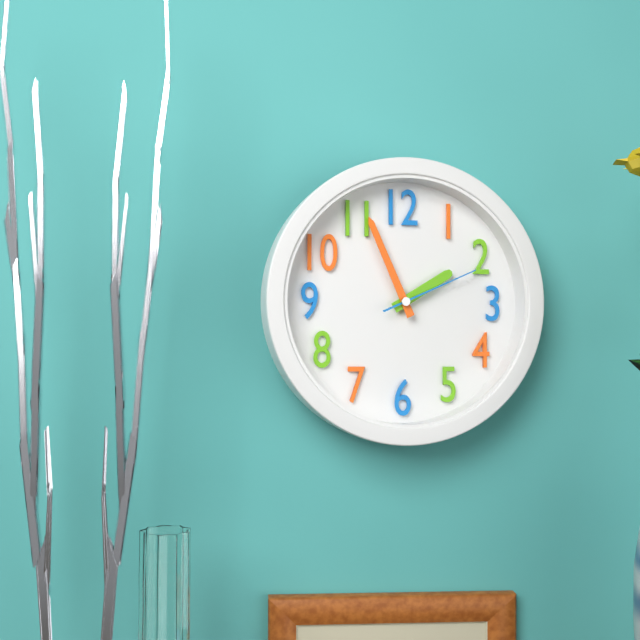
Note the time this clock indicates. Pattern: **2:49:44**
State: **1:56:11**
